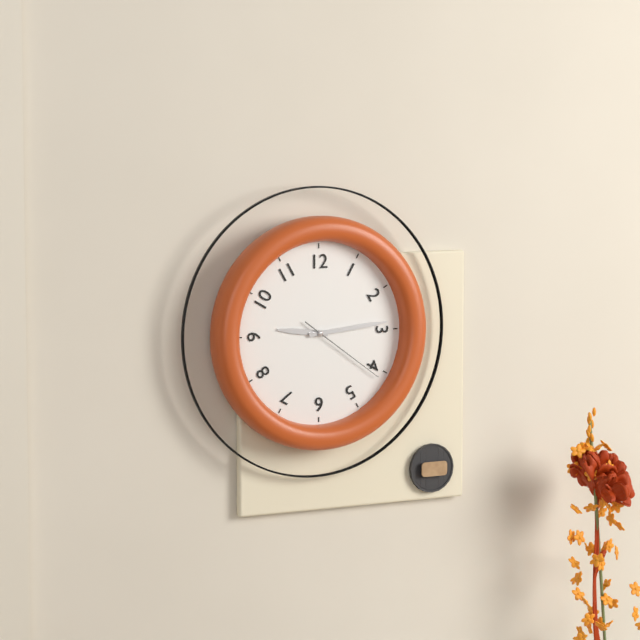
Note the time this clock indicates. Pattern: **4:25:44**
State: **9:14:21**
